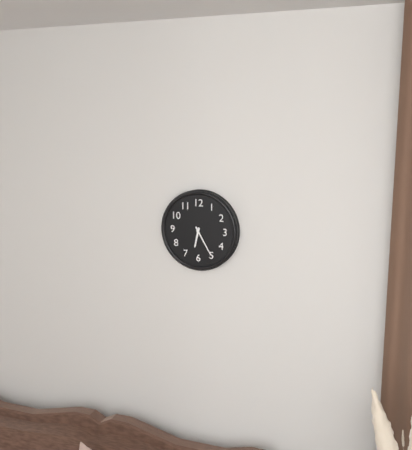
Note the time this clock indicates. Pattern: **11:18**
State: **6:25**
